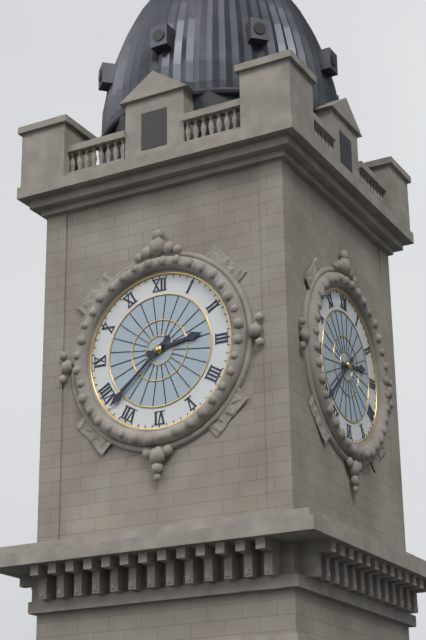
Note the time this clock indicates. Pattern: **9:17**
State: **2:38**
